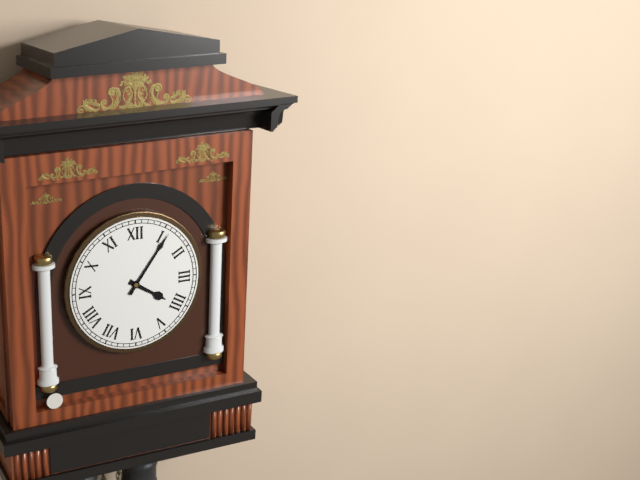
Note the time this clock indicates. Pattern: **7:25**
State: **4:06**
